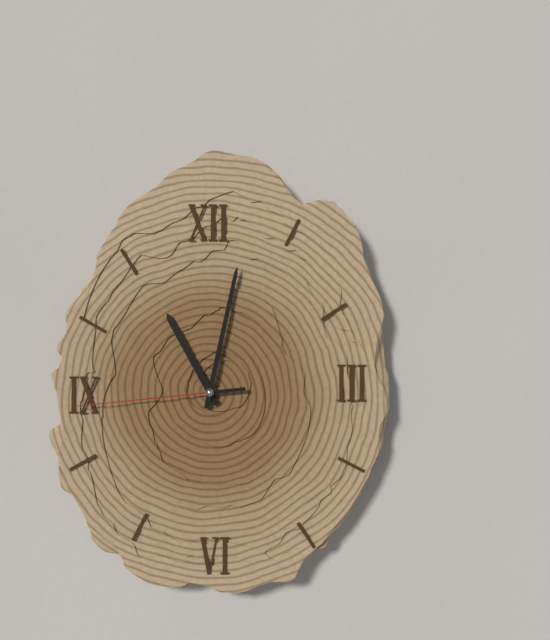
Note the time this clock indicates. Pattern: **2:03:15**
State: **11:02:44**
